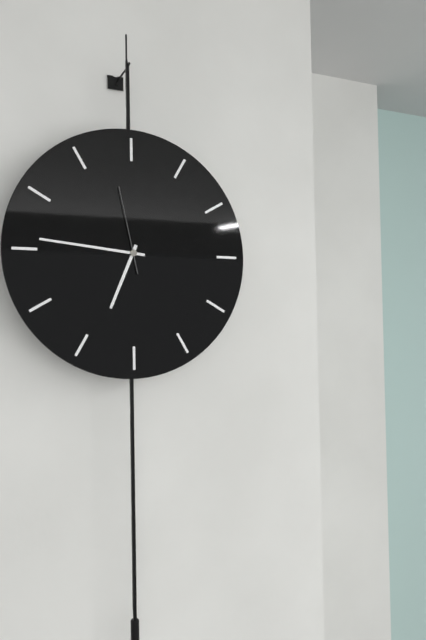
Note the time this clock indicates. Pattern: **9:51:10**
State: **6:46:58**
